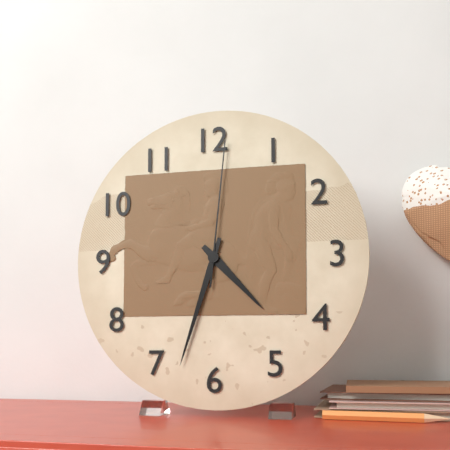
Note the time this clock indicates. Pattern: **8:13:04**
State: **4:33:01**
